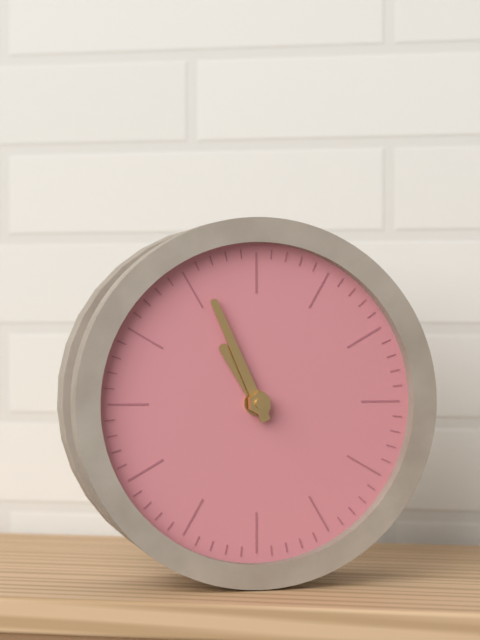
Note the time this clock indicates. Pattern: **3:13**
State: **10:56**
